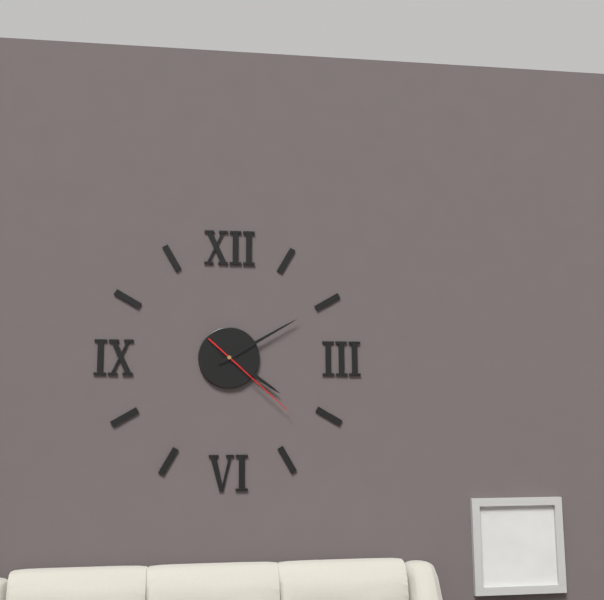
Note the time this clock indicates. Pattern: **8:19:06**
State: **4:10:22**
